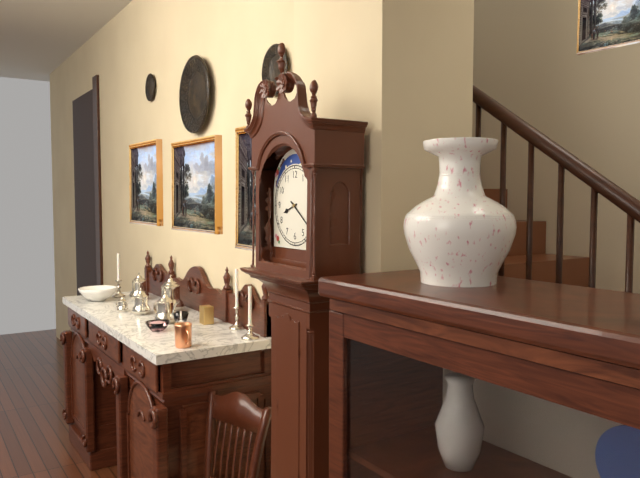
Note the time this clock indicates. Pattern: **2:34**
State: **8:21**
